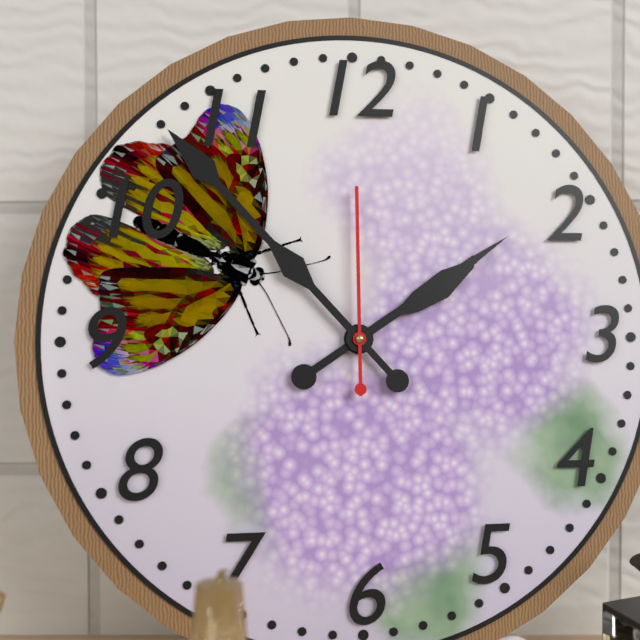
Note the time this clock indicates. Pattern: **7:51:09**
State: **1:53:00**
